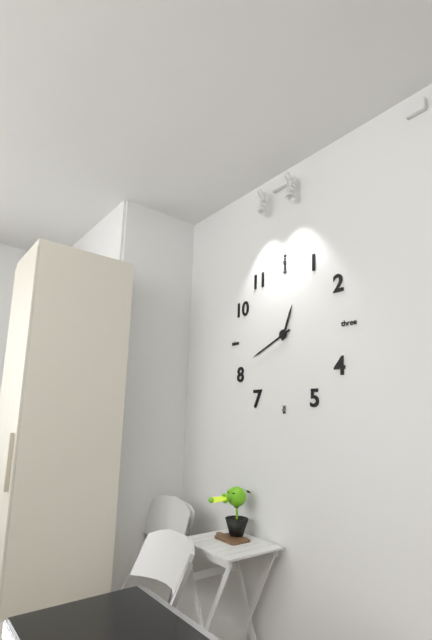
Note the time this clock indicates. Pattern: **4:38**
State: **12:41**
